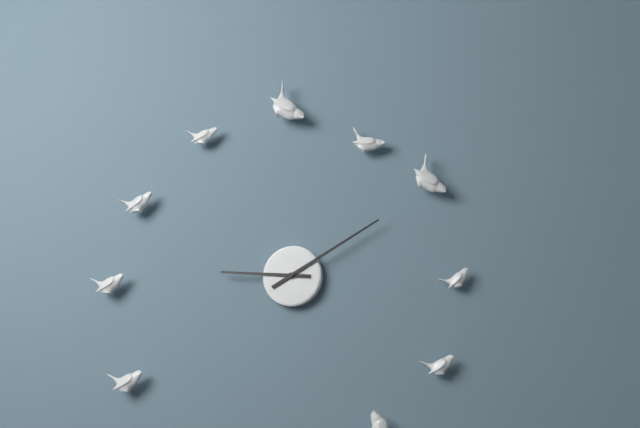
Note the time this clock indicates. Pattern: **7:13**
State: **9:10**
